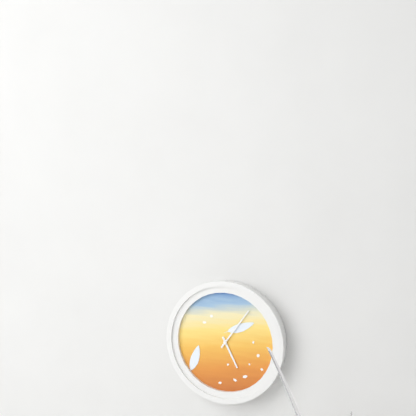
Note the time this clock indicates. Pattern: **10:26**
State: **5:06**
